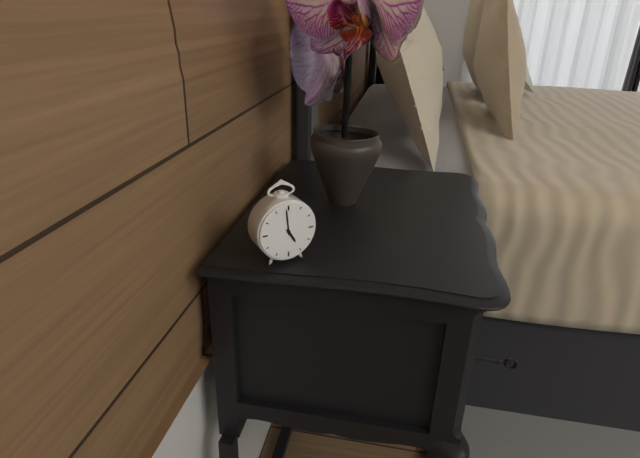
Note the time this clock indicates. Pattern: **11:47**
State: **4:59**
